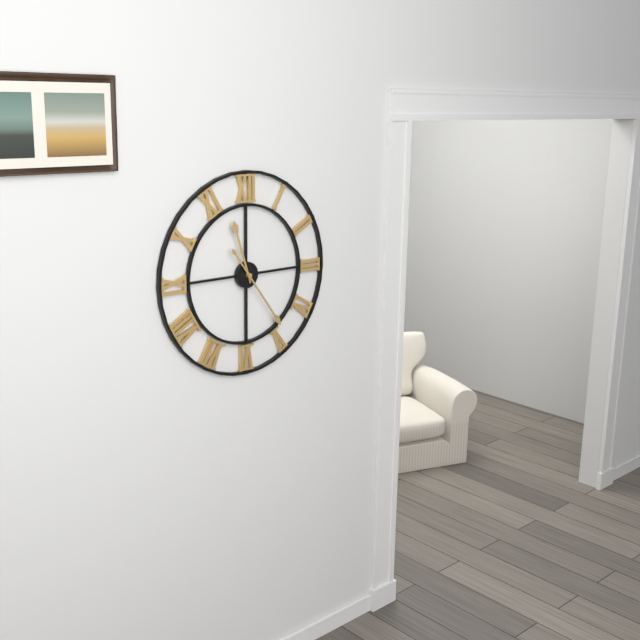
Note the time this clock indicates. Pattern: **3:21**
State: **11:24**
